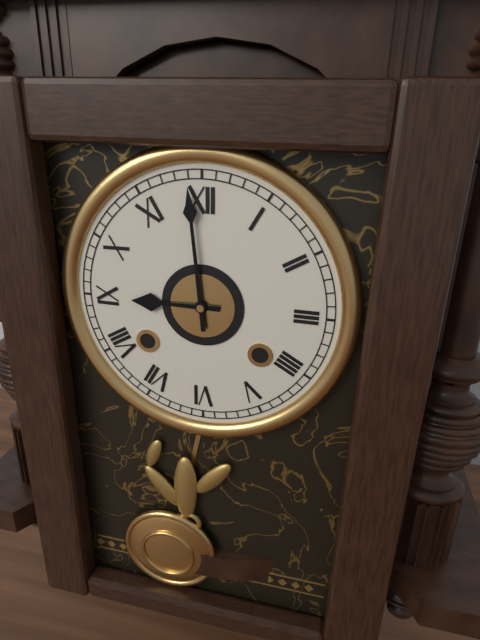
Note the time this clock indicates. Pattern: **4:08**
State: **8:59**
